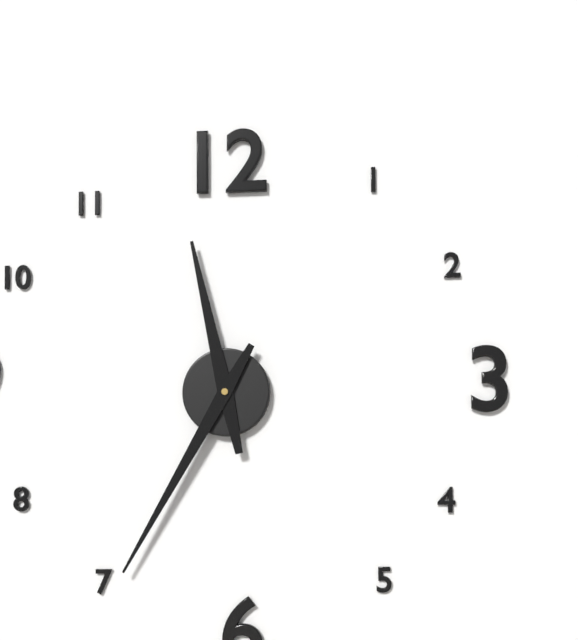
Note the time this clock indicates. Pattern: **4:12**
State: **11:35**
